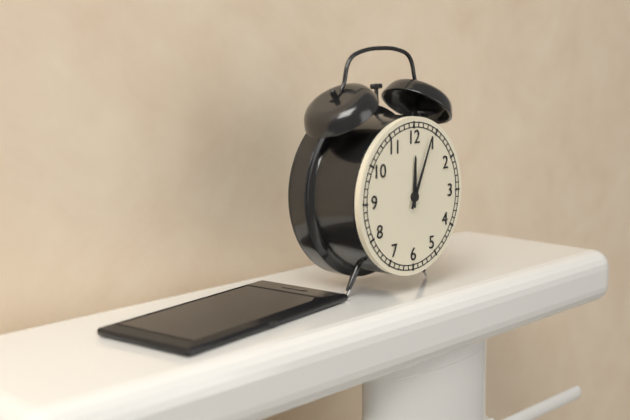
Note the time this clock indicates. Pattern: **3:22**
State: **12:04**
